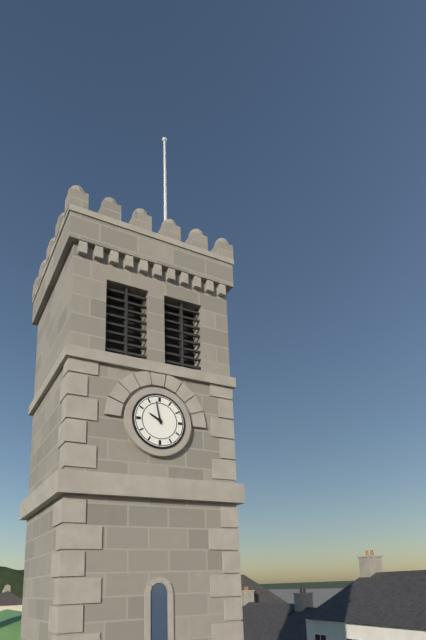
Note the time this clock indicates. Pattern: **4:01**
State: **9:58**
